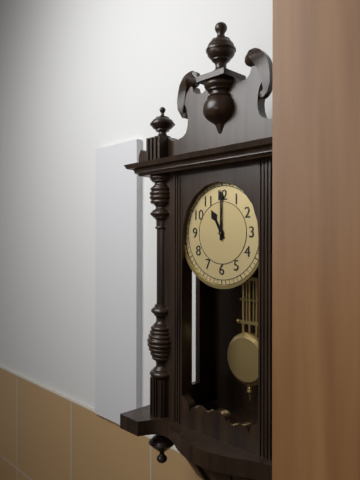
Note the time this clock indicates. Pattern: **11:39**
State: **11:00**
